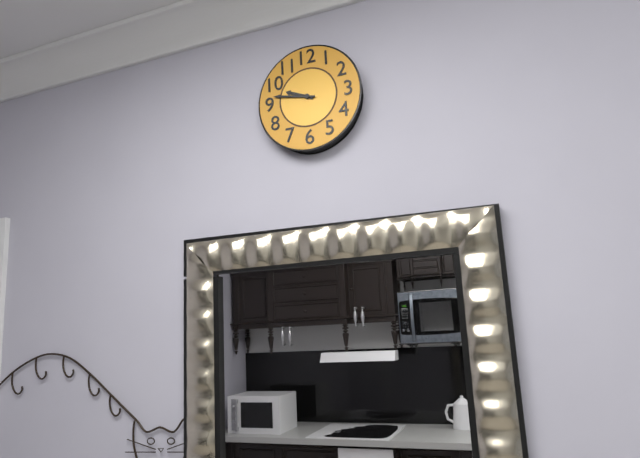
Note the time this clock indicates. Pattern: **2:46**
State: **9:47**
